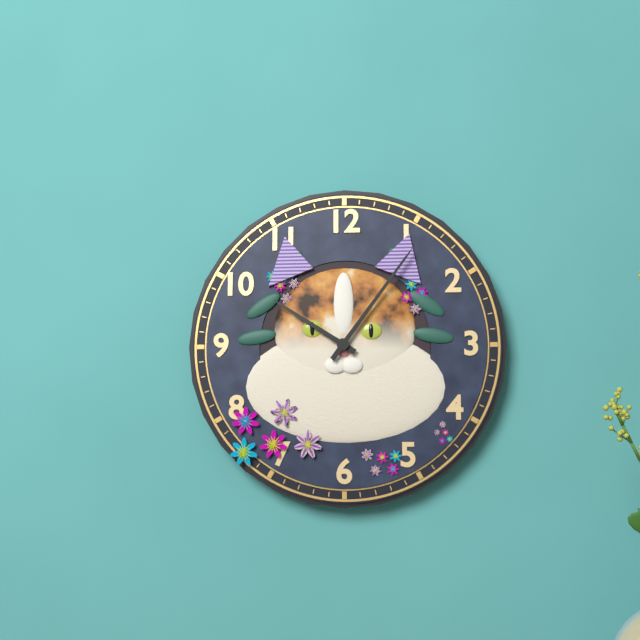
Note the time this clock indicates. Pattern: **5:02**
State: **10:06**
